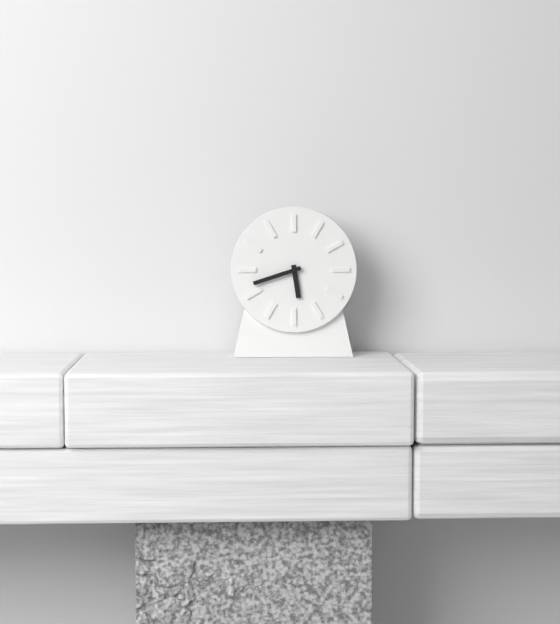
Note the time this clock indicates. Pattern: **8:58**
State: **5:42**
